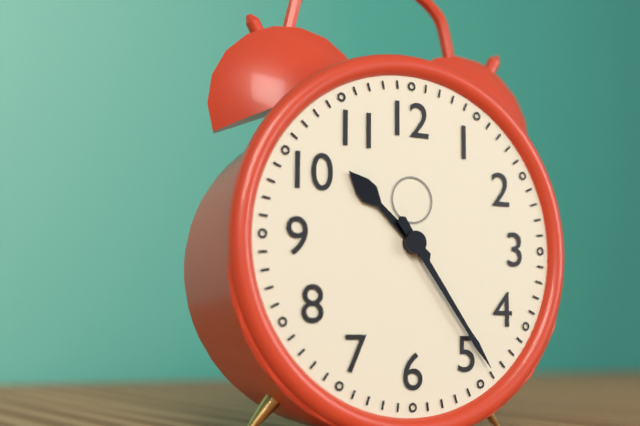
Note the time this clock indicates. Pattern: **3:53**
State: **10:24**
